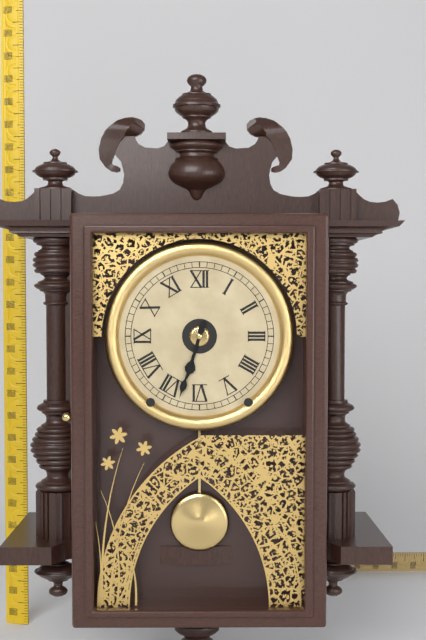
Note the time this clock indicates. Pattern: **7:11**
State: **6:33**
